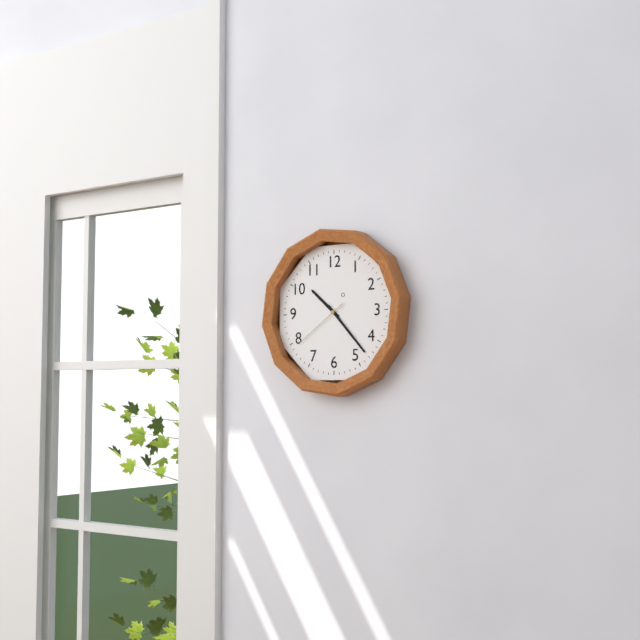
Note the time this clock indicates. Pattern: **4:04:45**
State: **10:23:39**
